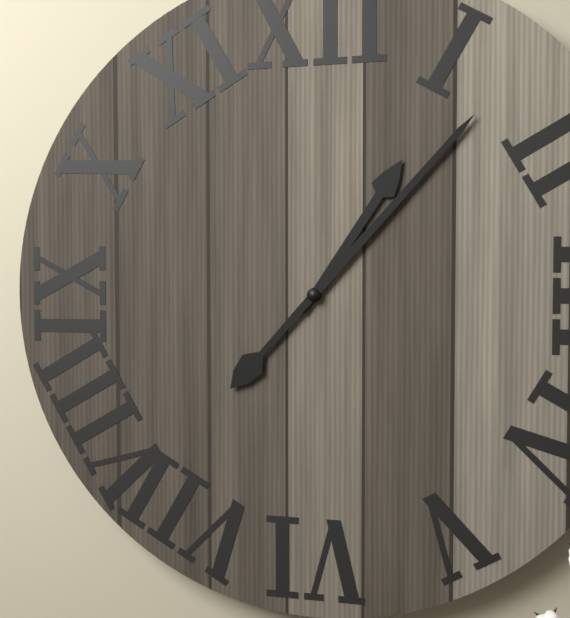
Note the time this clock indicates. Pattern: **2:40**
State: **1:07**
